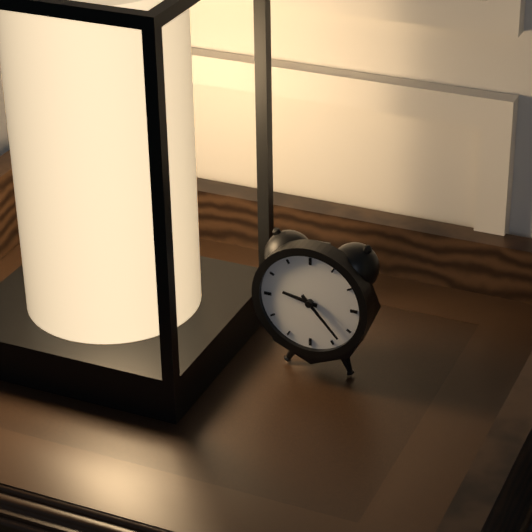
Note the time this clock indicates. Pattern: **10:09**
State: **9:23**
